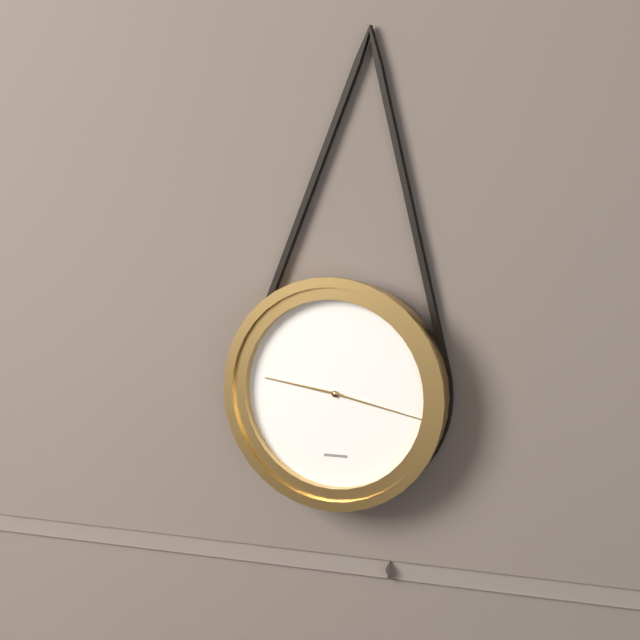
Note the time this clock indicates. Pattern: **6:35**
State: **9:17**
